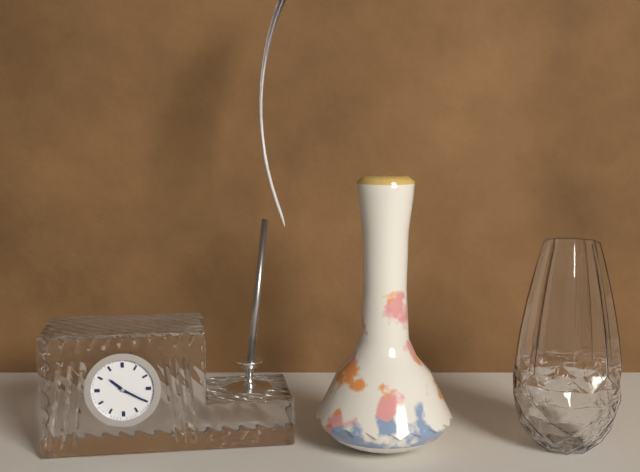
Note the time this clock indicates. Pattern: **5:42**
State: **10:20**
